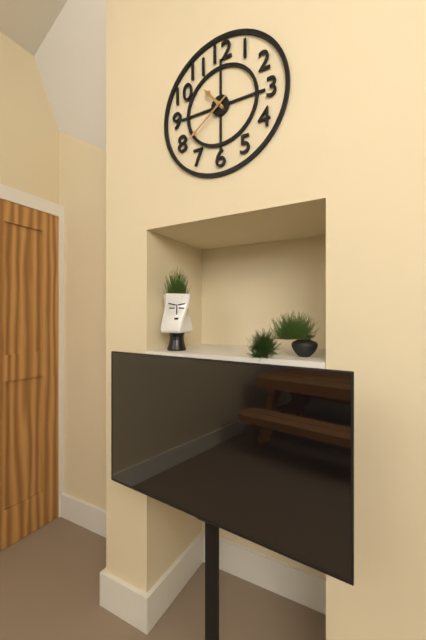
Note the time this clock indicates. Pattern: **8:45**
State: **10:39**
